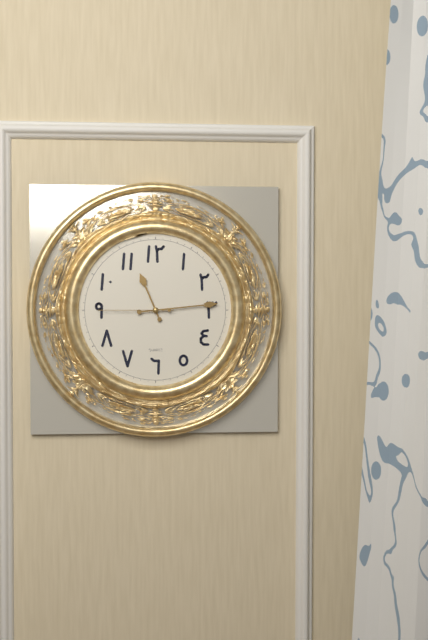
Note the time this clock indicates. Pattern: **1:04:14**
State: **11:14:45**
